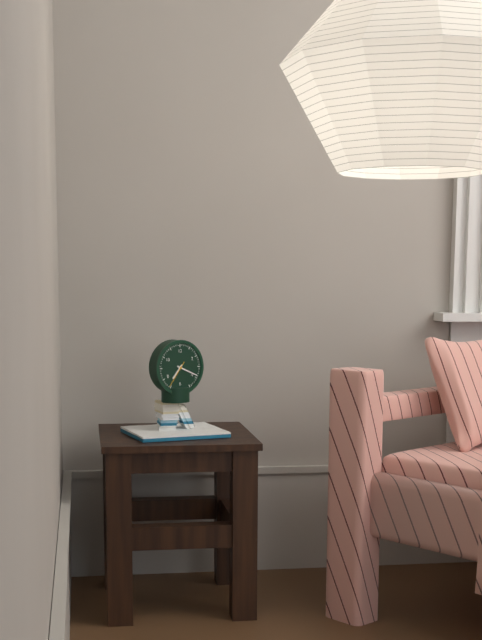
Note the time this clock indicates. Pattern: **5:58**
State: **7:19**
